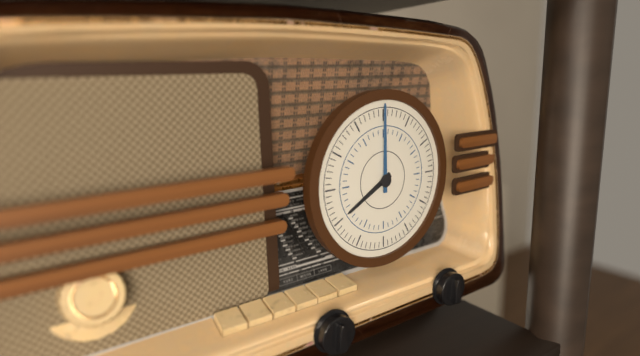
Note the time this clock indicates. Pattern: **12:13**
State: **8:00**
